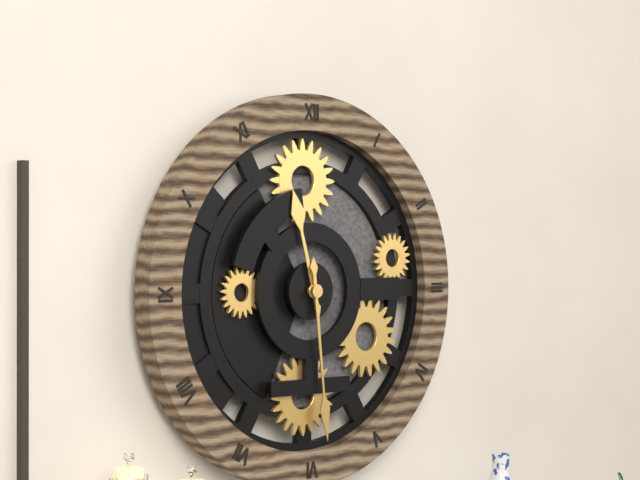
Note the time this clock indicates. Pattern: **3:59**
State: **11:29**
